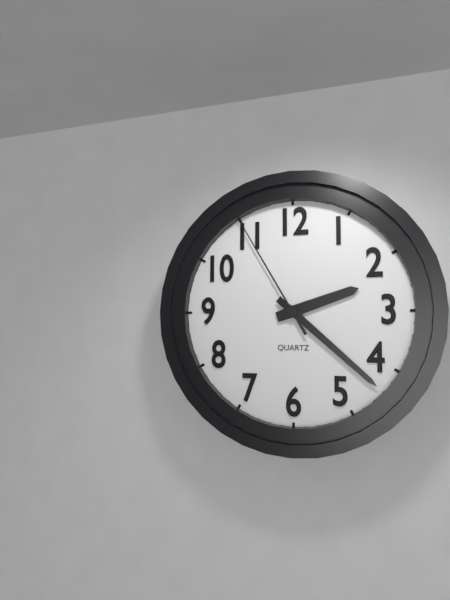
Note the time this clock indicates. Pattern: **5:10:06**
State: **2:22:55**
